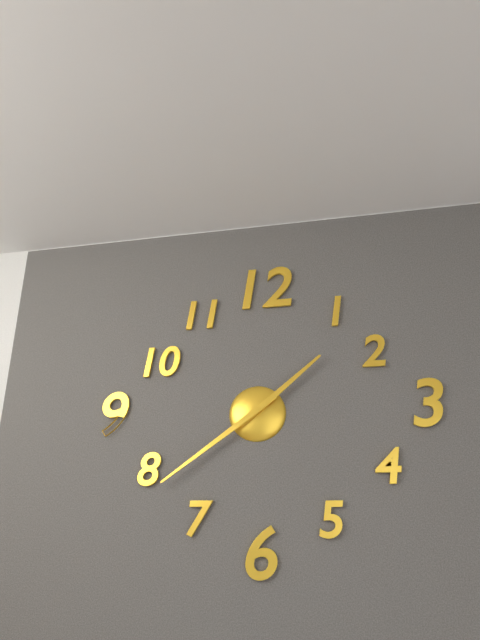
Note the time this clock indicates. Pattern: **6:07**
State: **1:39**
